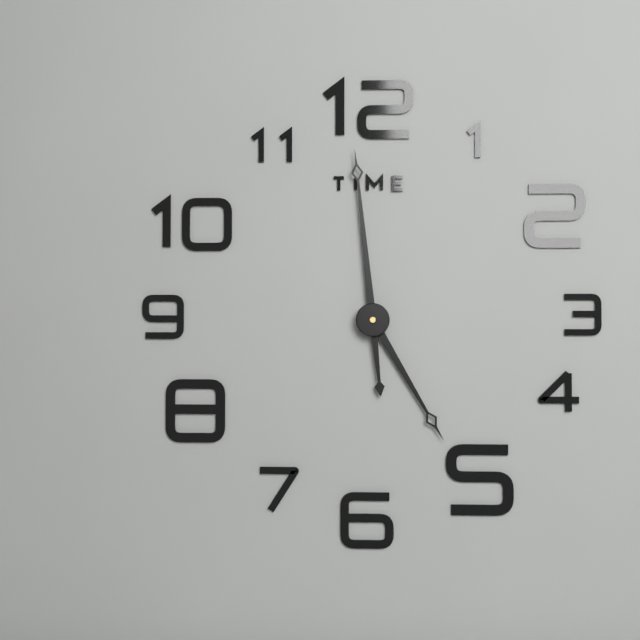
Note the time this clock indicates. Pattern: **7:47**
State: **4:59**
